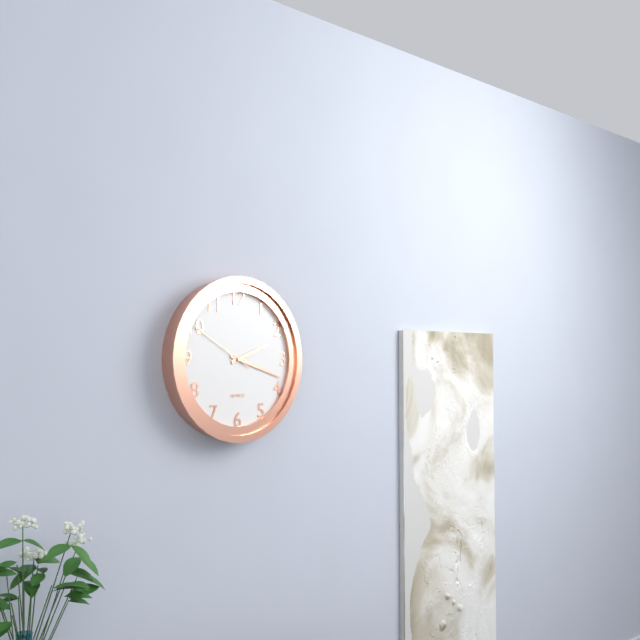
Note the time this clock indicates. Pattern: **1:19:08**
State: **2:18:50**
